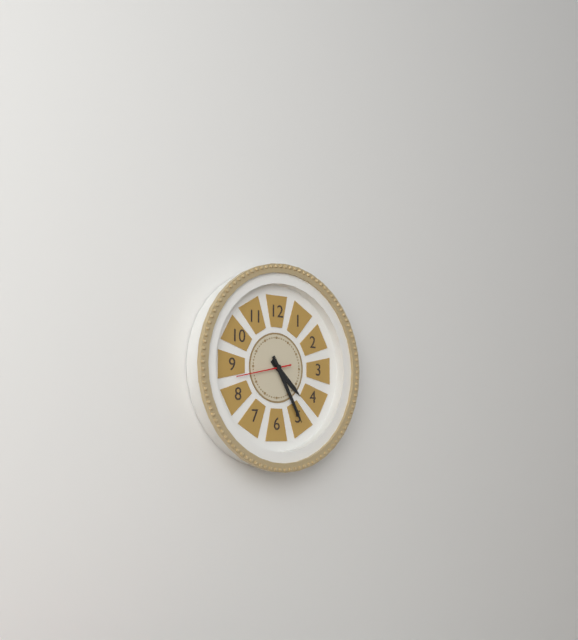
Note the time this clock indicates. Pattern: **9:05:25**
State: **4:25:43**
